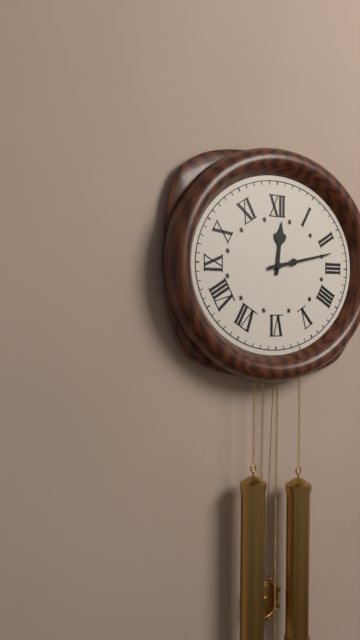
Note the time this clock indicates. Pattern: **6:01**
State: **12:13**
